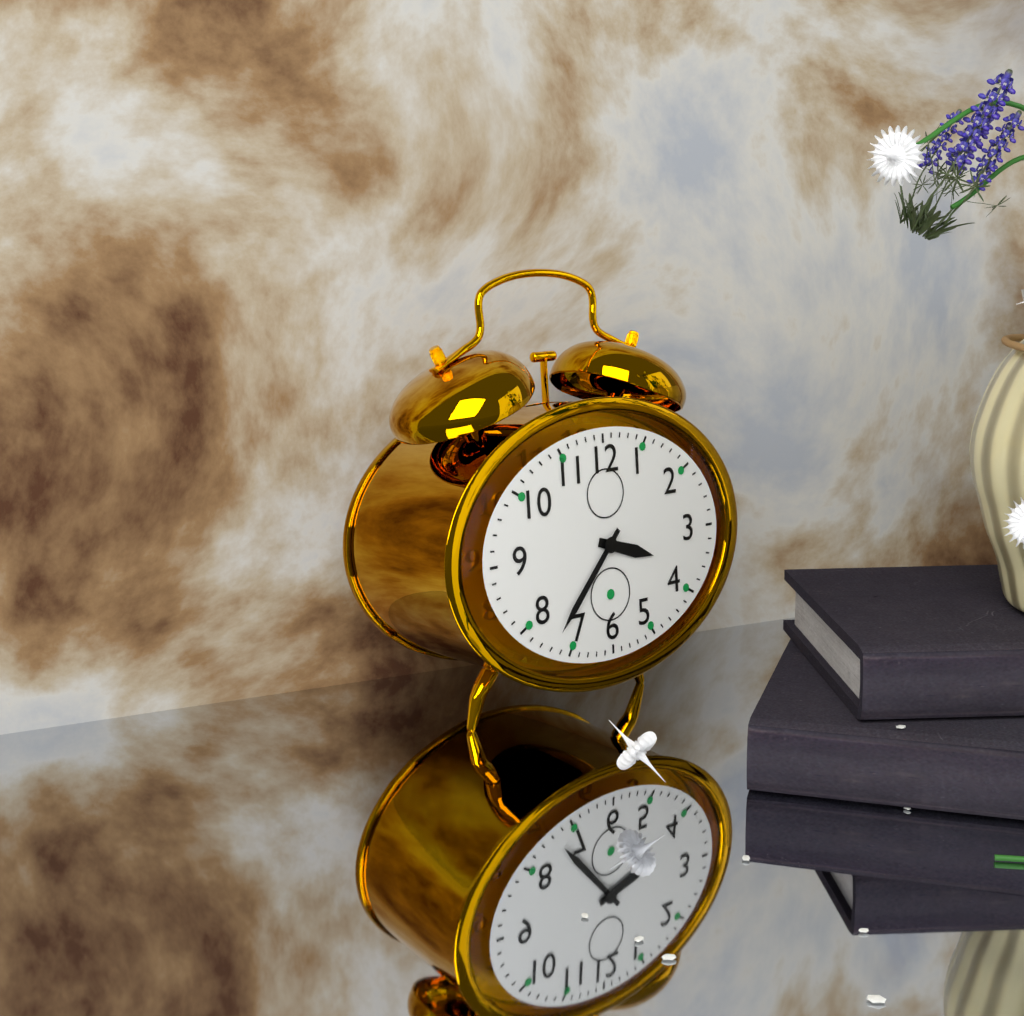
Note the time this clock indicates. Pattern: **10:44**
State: **3:37**
